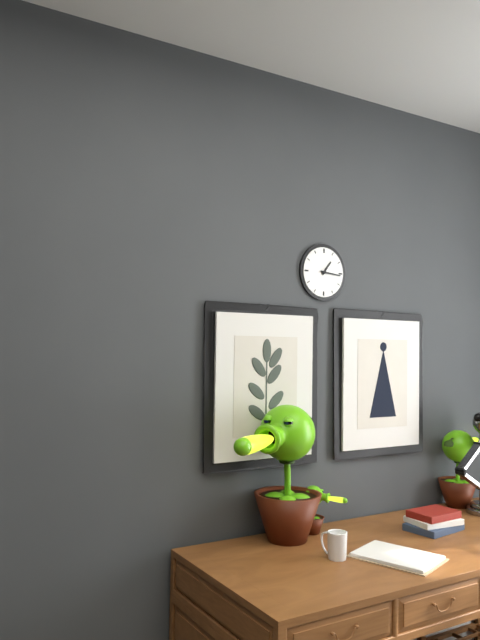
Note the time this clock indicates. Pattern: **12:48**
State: **1:16**
